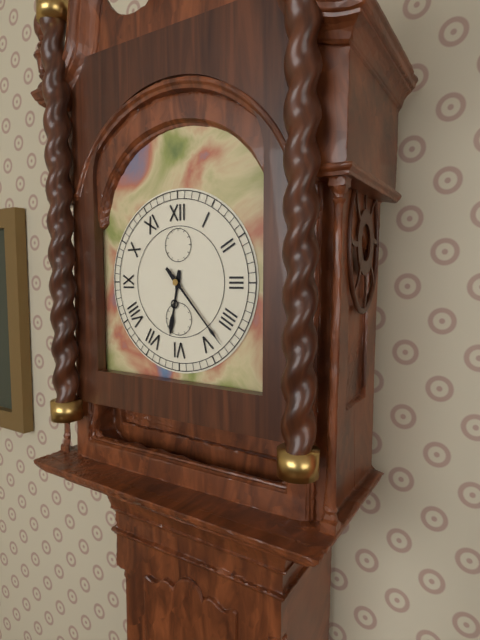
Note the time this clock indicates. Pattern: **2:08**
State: **6:23**
